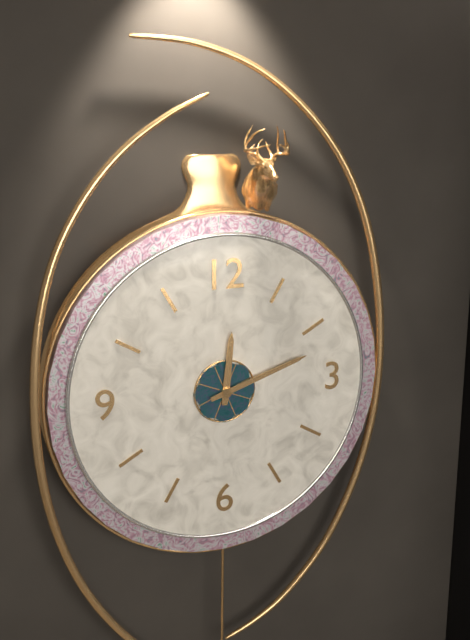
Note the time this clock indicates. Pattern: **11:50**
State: **12:12**
